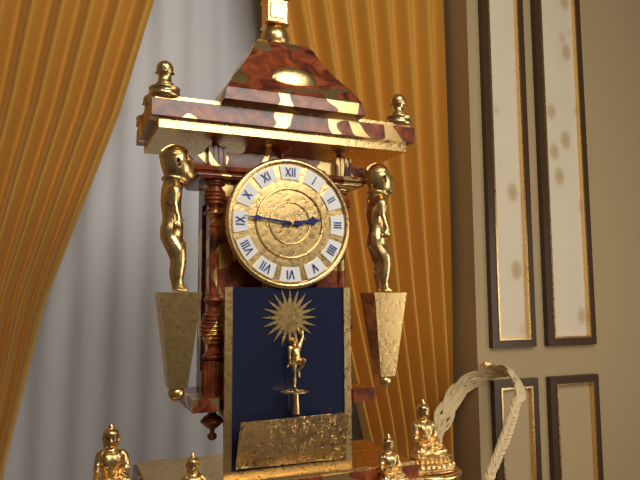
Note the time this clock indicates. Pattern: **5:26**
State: **2:46**
